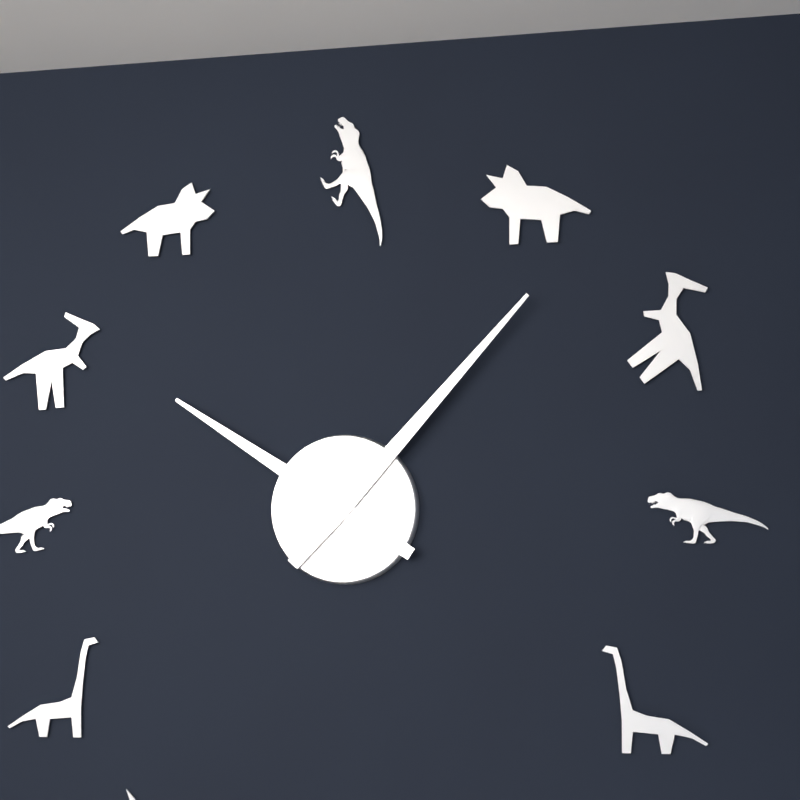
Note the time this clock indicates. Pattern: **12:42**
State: **10:07**
